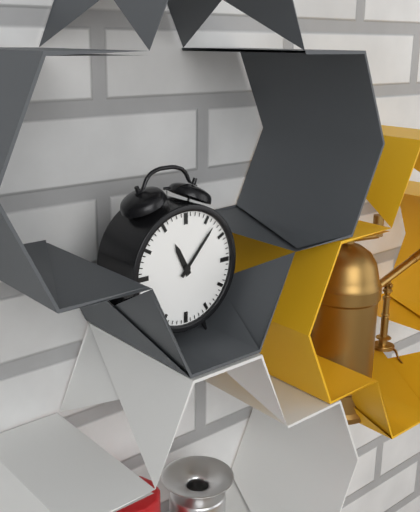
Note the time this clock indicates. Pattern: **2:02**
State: **11:07**
